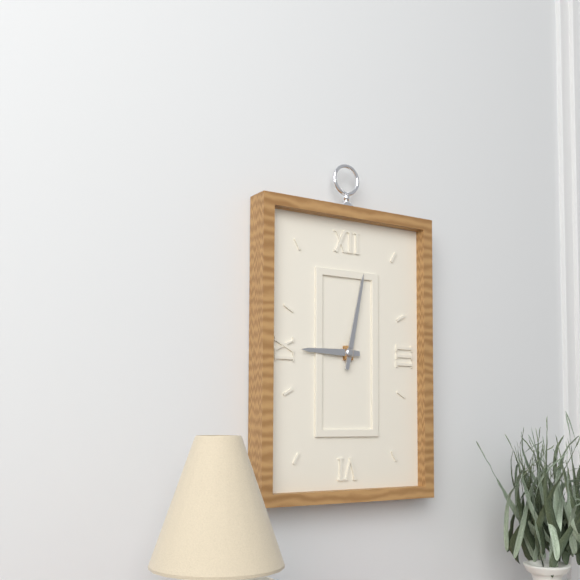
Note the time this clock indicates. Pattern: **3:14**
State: **9:02**
